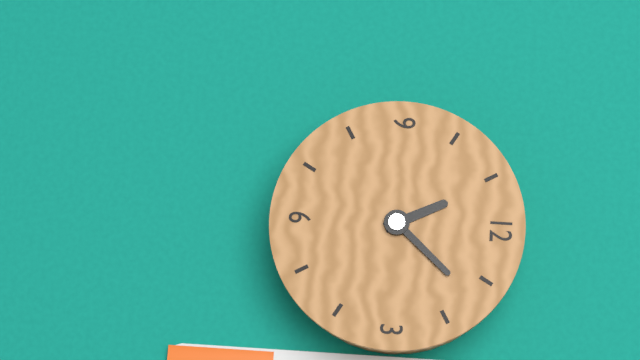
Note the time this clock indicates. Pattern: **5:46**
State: **11:07**
